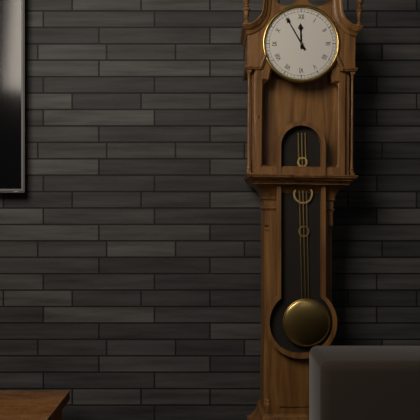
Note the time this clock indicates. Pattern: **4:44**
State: **11:55**
